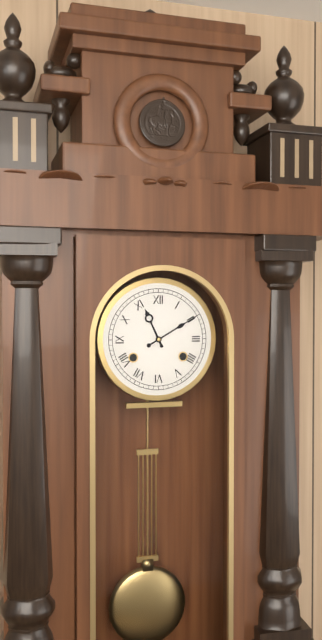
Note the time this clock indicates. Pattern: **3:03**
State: **11:10**
